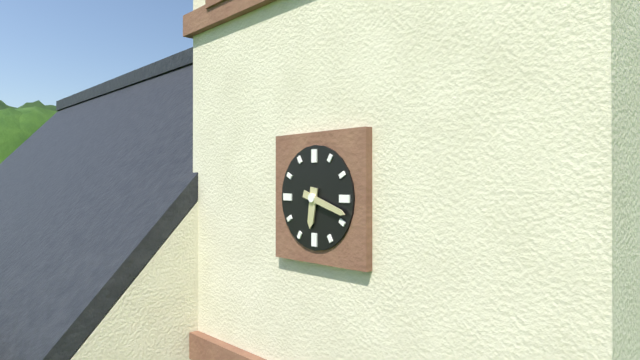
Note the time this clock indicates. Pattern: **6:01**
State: **6:18**
